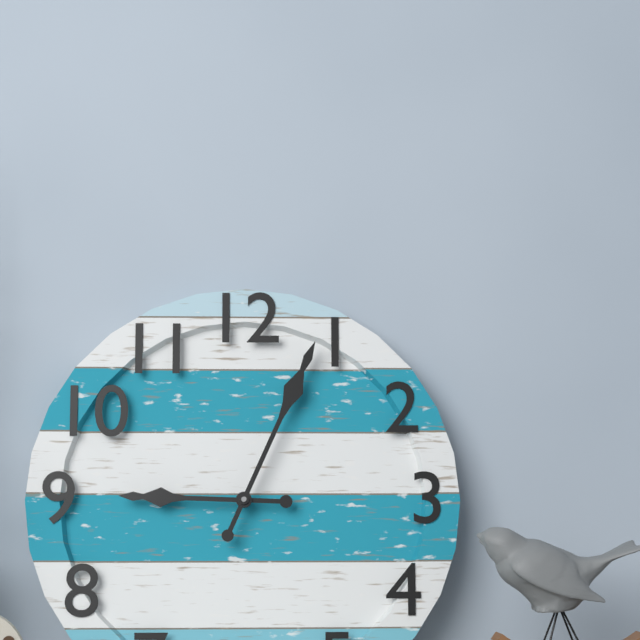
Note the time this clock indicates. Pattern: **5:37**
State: **9:04**
